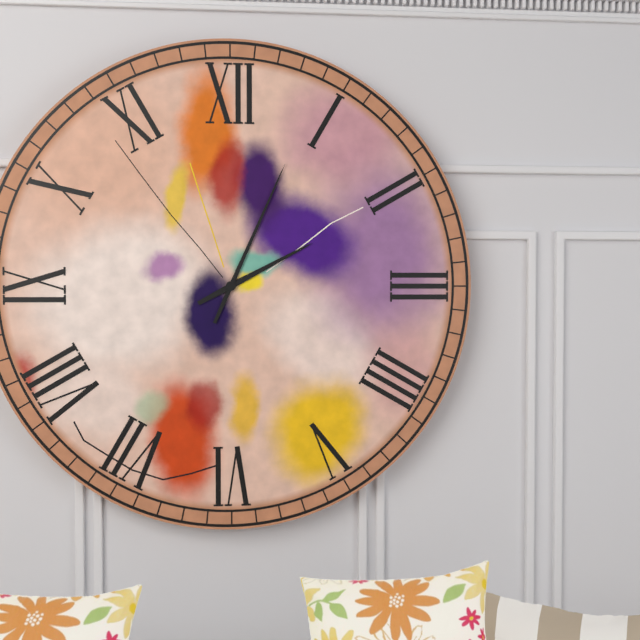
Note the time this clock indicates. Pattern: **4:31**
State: **2:04**
